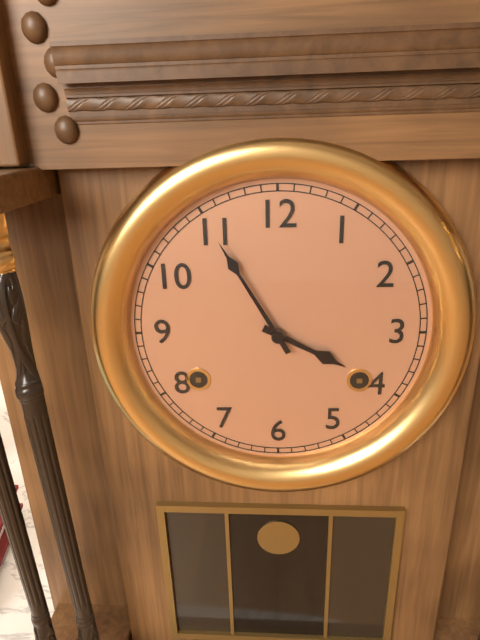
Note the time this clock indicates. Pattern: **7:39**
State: **3:55**
